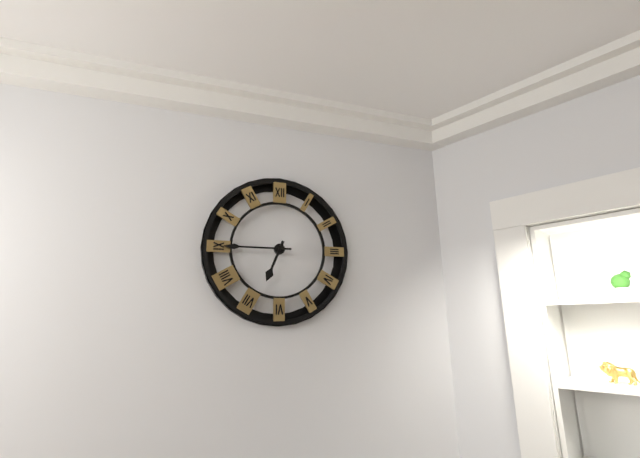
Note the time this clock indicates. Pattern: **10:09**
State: **6:45**
